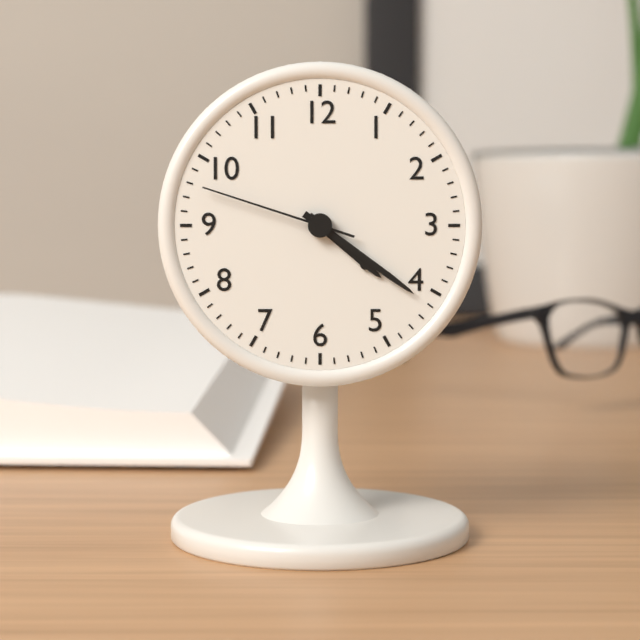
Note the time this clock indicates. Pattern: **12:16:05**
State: **4:21:48**
